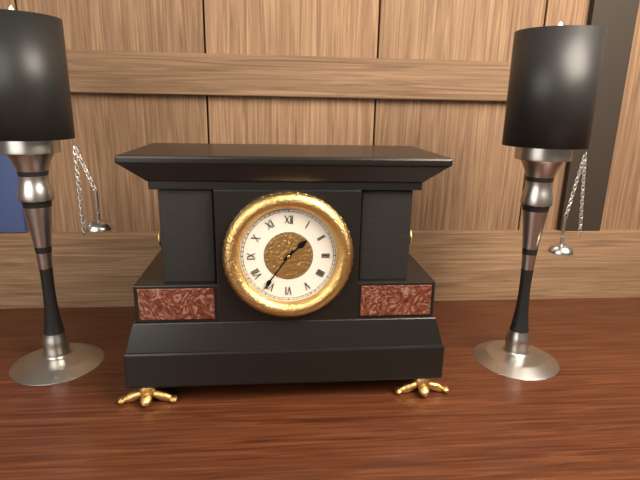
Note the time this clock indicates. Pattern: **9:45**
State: **1:36**
